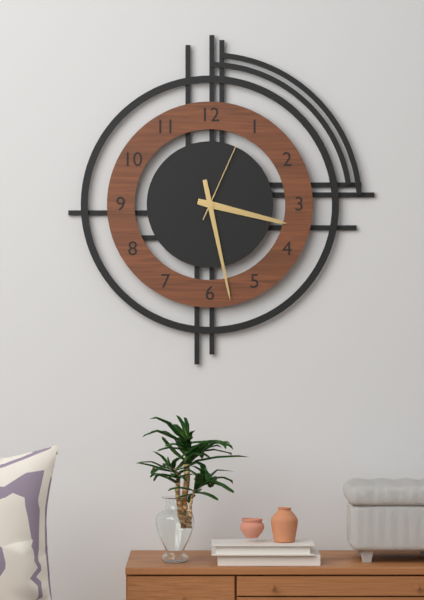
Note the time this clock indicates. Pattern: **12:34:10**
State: **3:28:04**
